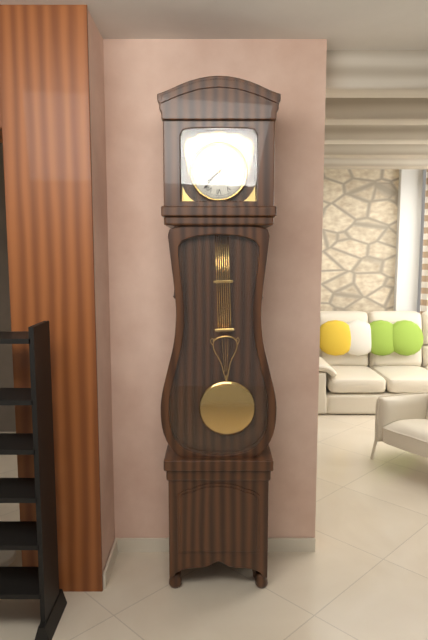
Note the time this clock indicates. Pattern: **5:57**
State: **7:37**
